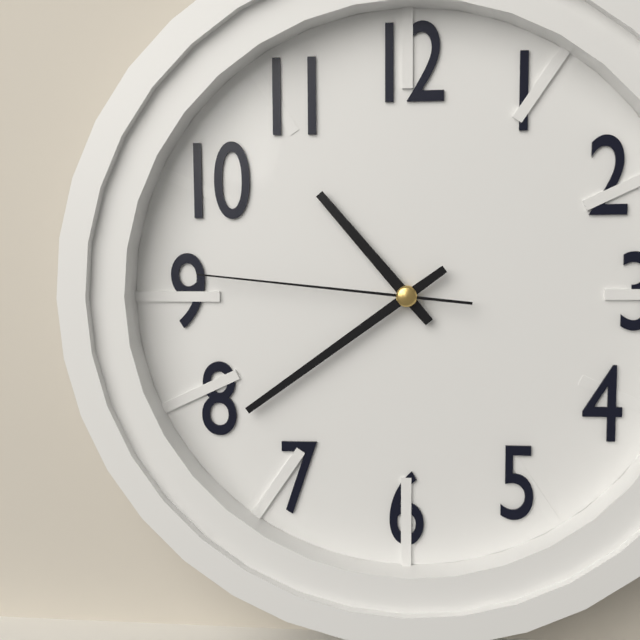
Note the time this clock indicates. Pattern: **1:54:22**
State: **10:39:46**
